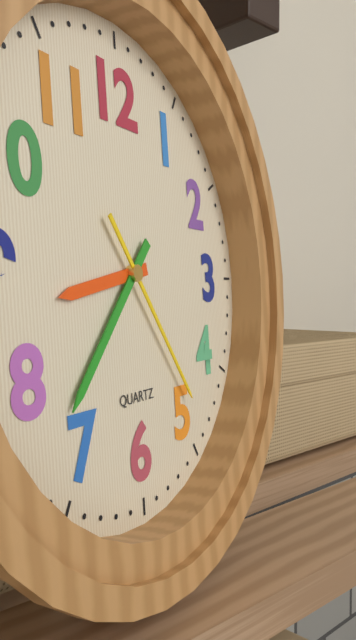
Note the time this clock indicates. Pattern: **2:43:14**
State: **8:37:24**
